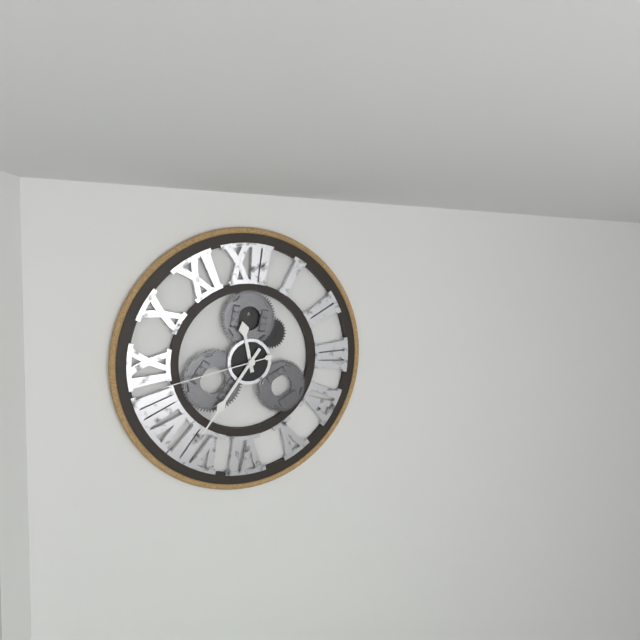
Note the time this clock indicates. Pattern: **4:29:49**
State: **11:36:43**
